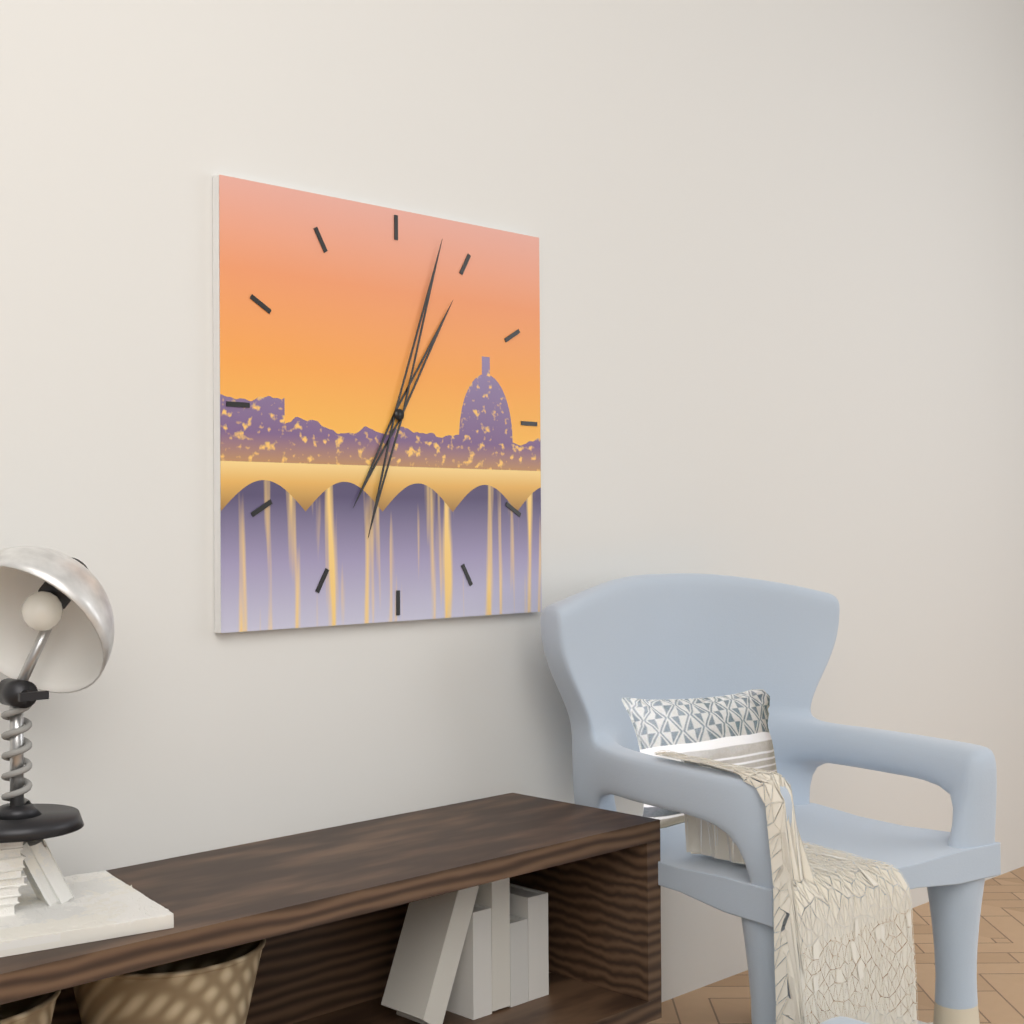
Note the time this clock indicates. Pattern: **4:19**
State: **1:03**
